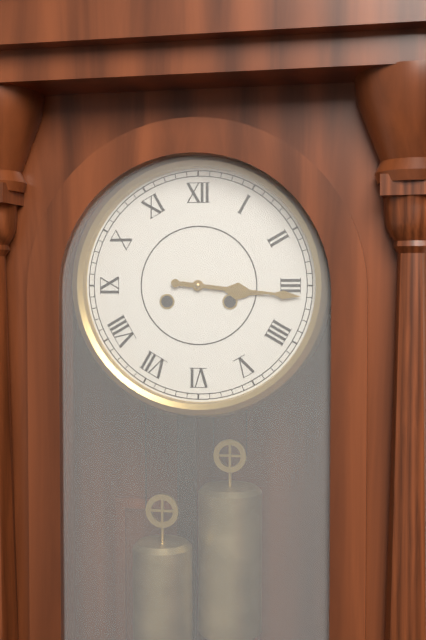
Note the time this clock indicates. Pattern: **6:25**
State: **3:16**
